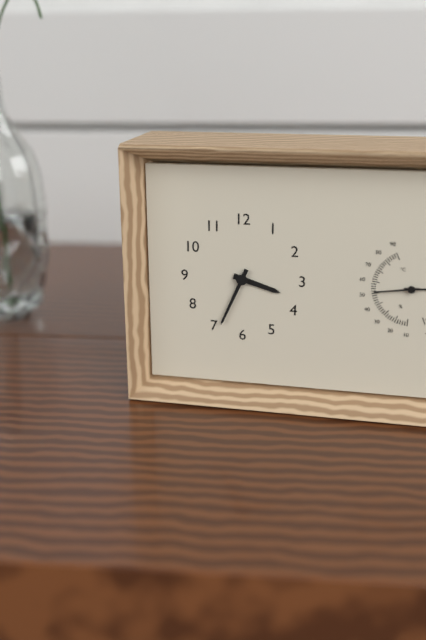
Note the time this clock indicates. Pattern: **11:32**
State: **3:34**
